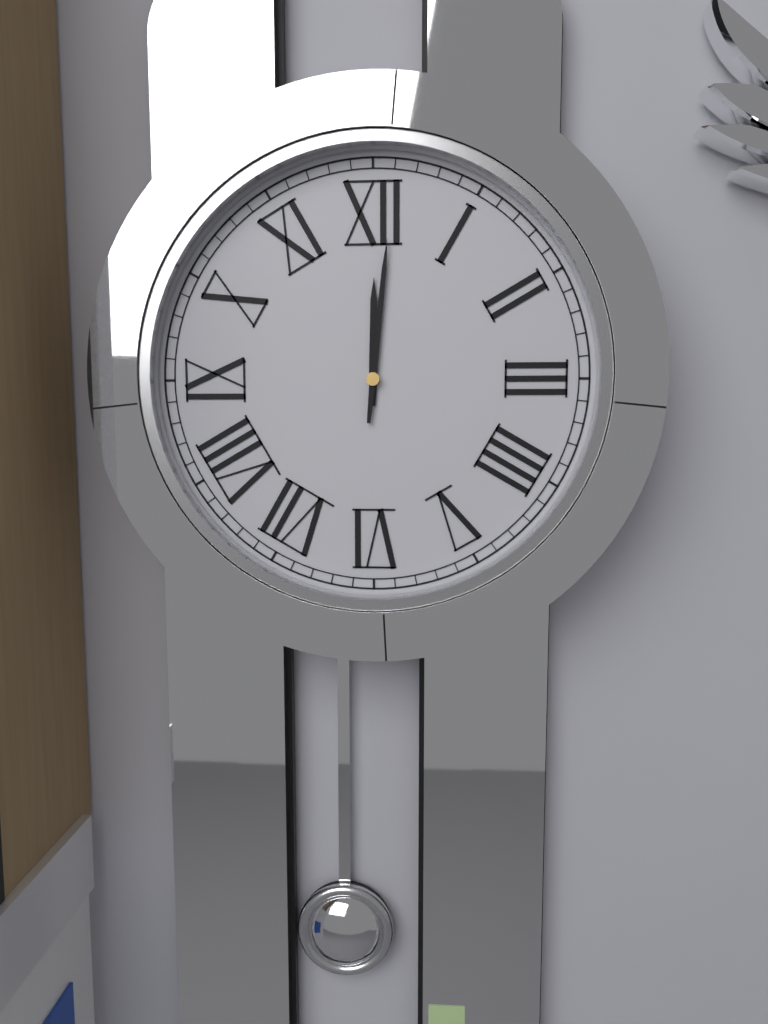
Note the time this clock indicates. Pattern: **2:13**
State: **12:01**
